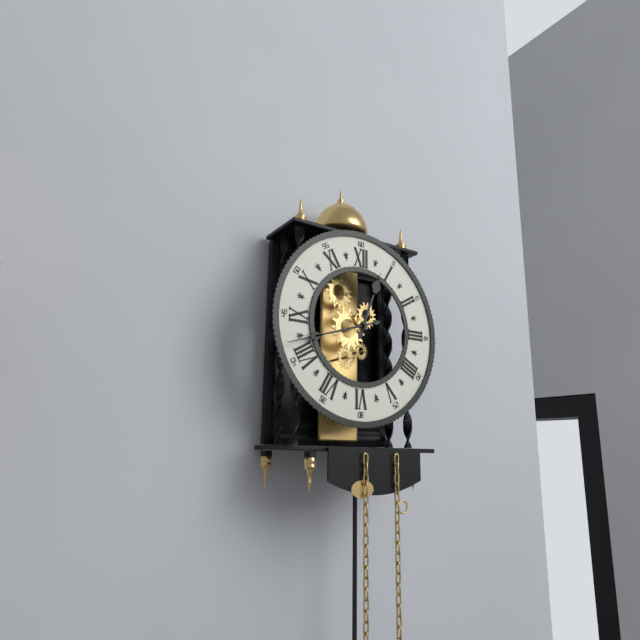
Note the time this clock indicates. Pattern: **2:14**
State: **12:42**
